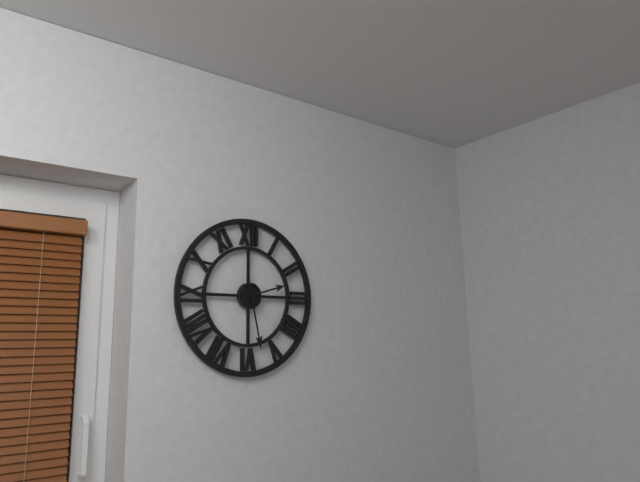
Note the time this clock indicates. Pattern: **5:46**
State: **2:28**
